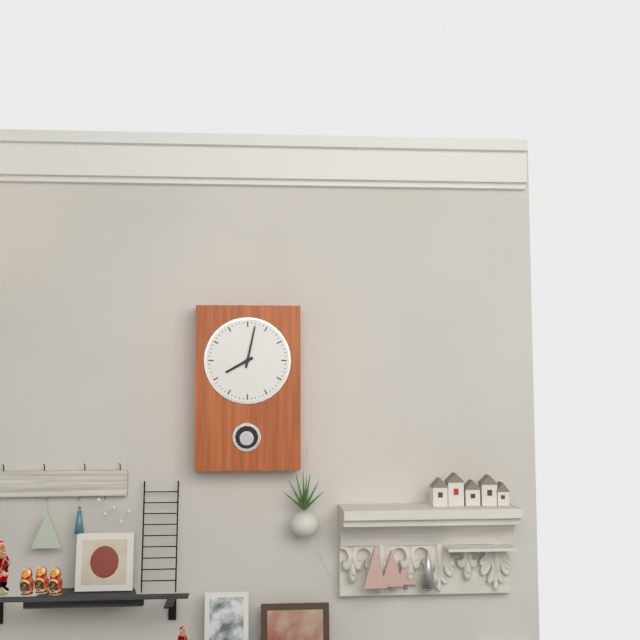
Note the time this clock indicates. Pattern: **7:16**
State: **8:02**
